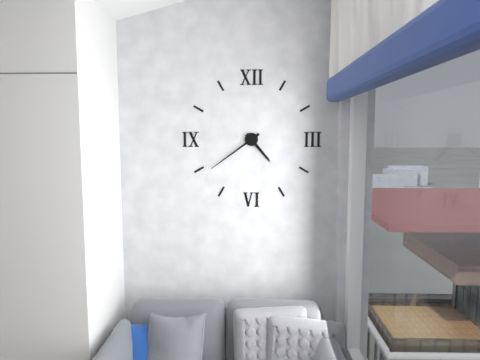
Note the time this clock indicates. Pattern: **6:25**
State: **4:39**
